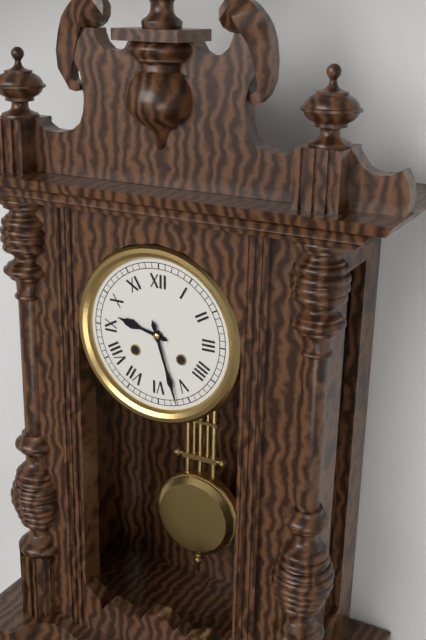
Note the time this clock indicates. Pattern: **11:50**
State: **9:27**
